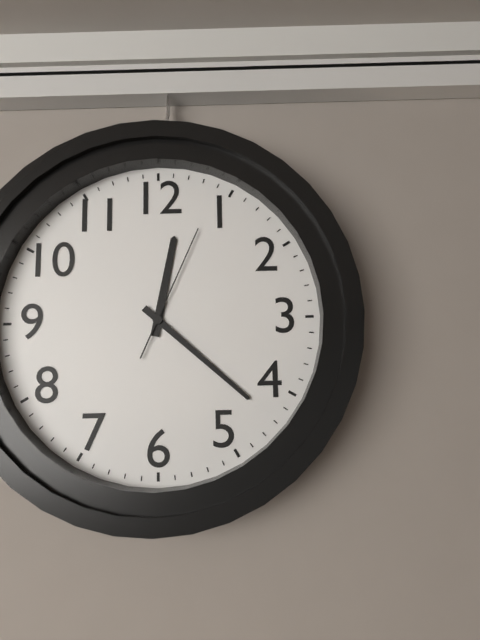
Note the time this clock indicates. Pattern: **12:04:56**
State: **12:22:04**
